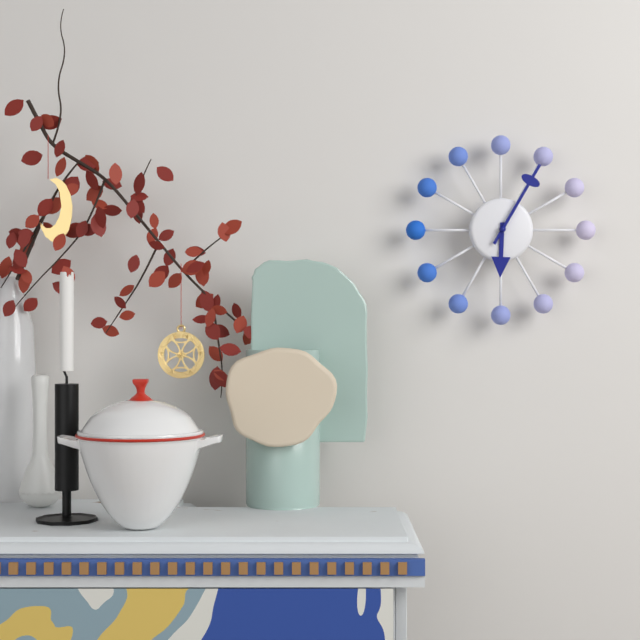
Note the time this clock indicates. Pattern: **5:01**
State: **6:05**
